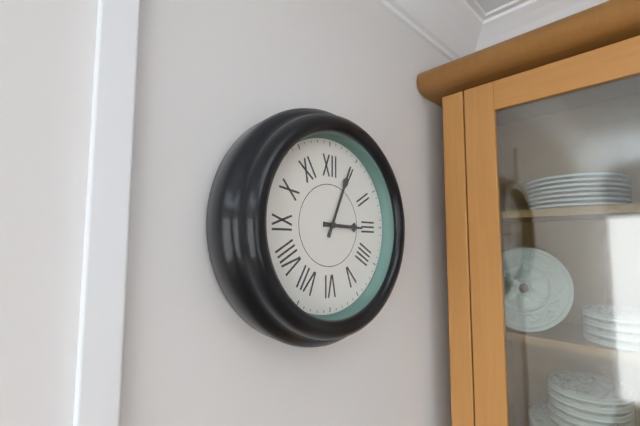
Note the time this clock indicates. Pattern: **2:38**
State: **3:04**
